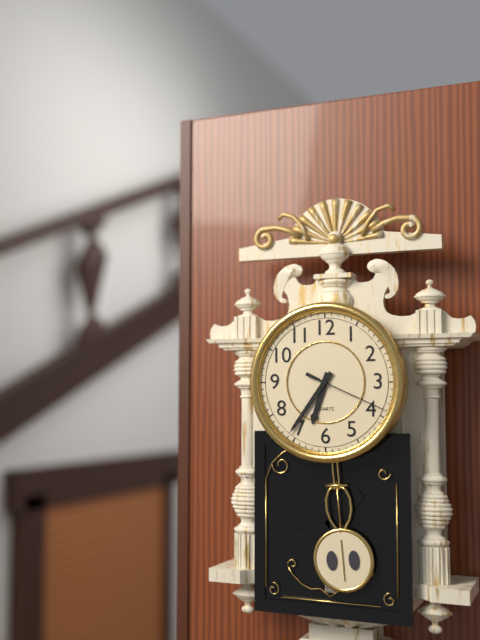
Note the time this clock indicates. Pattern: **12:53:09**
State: **6:36:19**
